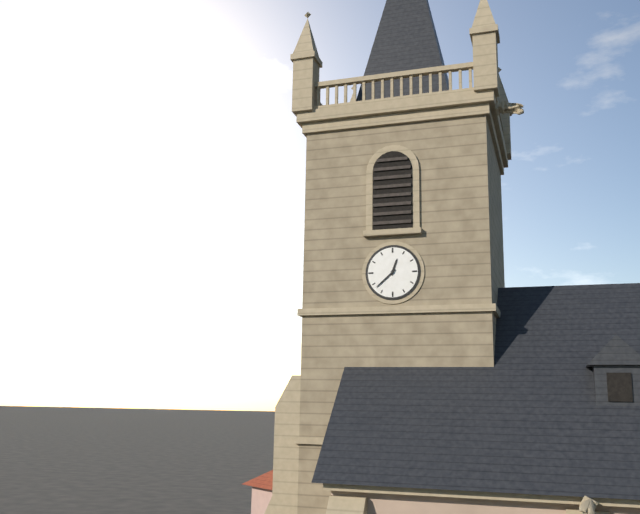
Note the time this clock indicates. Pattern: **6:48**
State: **12:38**
